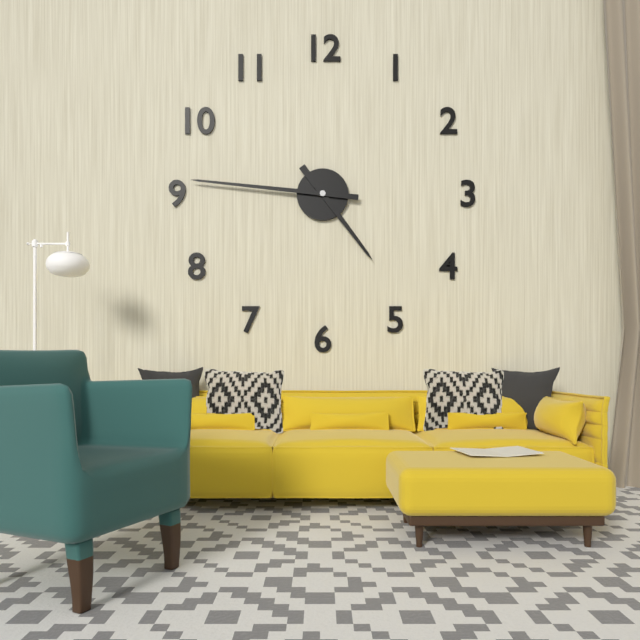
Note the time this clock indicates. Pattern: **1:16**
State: **4:46**
